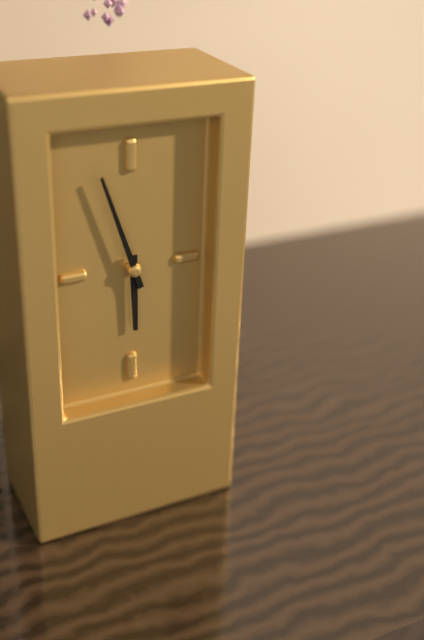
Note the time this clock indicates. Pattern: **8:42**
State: **5:57**
